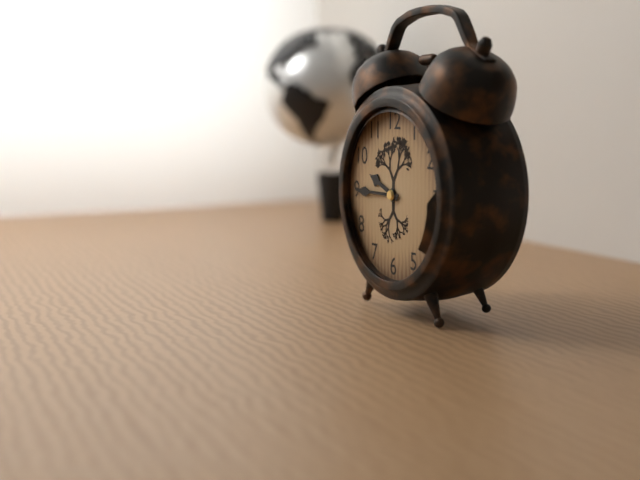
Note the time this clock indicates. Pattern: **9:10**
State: **9:45**
